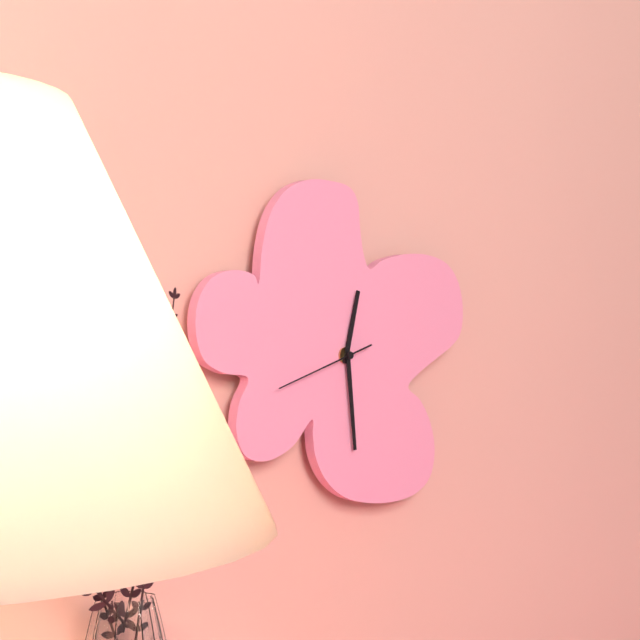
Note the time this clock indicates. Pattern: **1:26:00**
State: **12:29:42**
